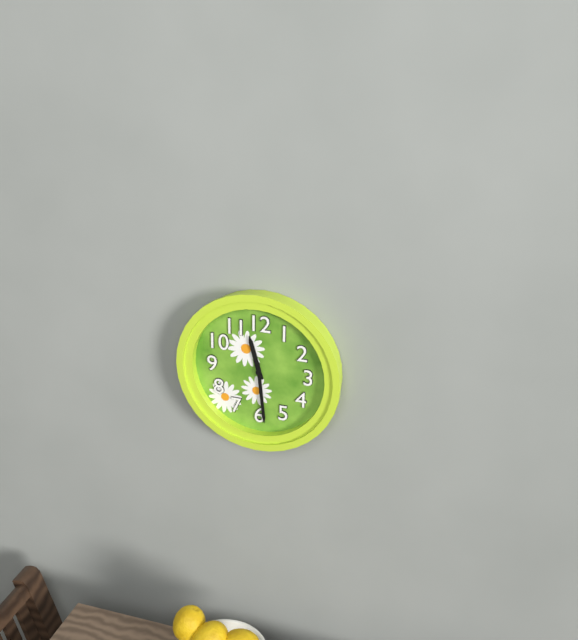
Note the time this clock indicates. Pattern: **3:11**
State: **11:29**
